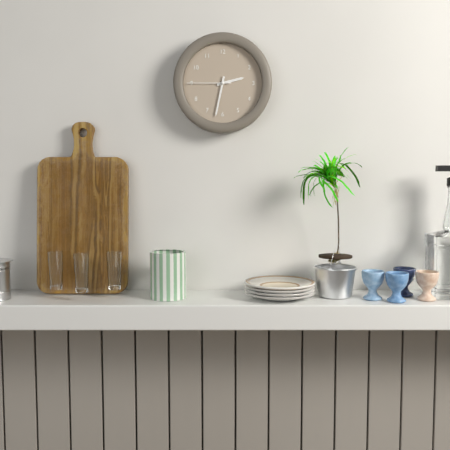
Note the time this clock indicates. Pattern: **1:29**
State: **2:32**
